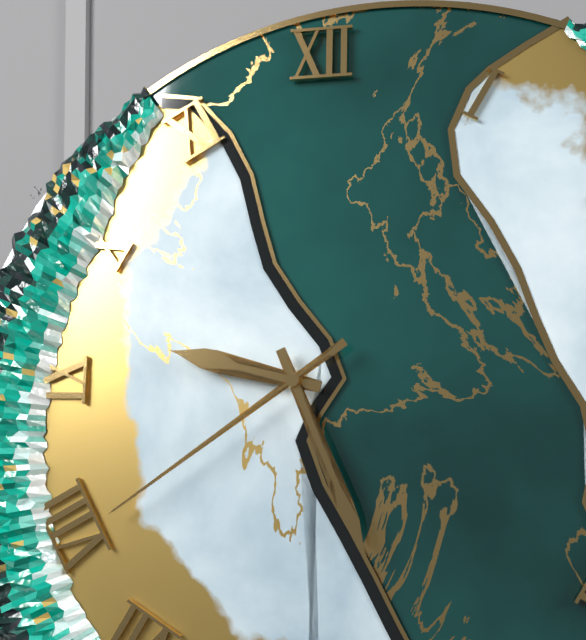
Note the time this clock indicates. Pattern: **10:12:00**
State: **9:26:39**
